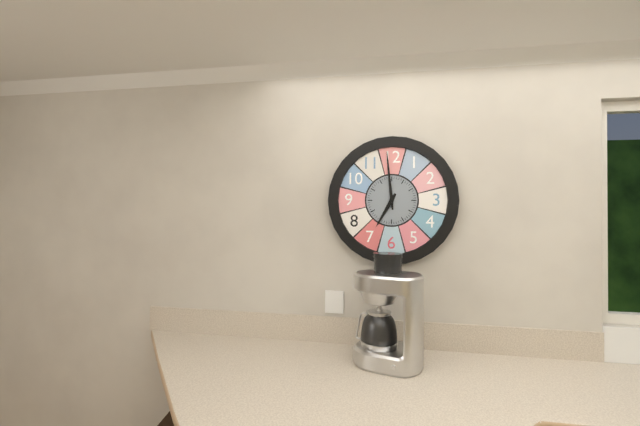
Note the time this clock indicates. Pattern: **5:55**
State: **6:59**
